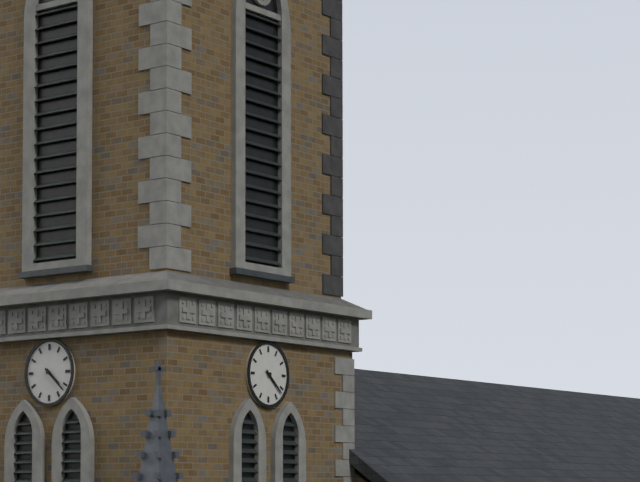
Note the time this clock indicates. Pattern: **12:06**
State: **4:22**
